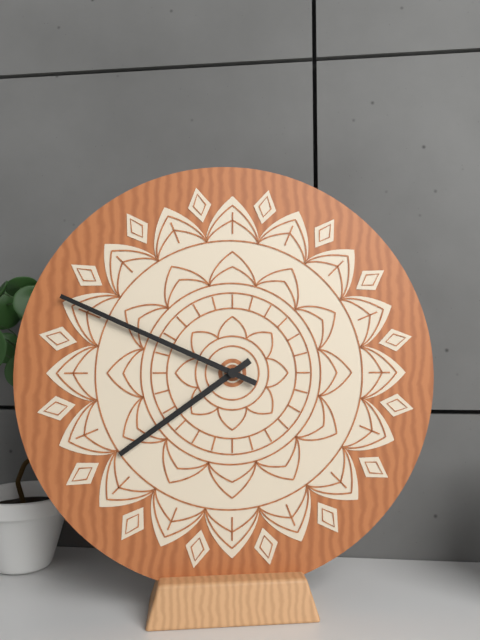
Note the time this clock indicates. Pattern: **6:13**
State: **7:49**
